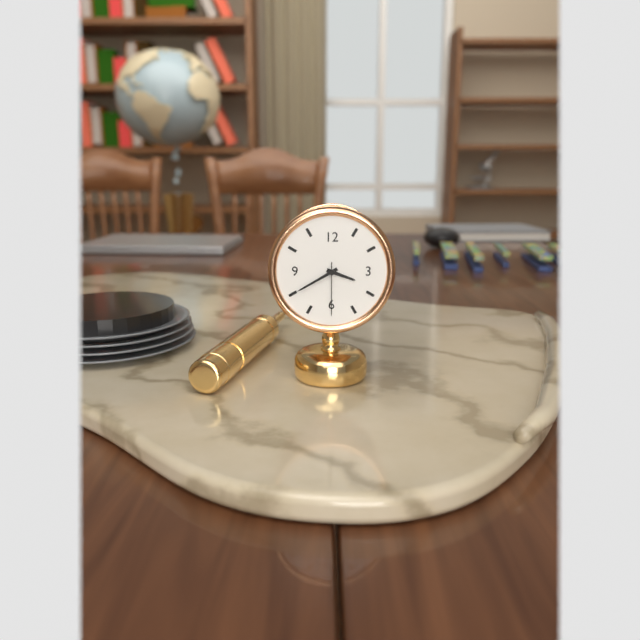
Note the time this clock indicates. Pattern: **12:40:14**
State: **3:40:30**
